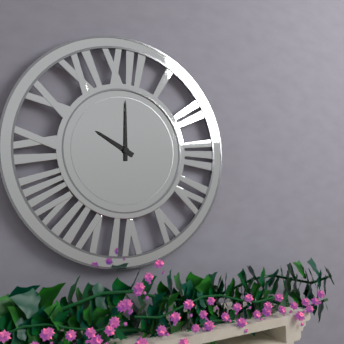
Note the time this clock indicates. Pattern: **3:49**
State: **10:00**
